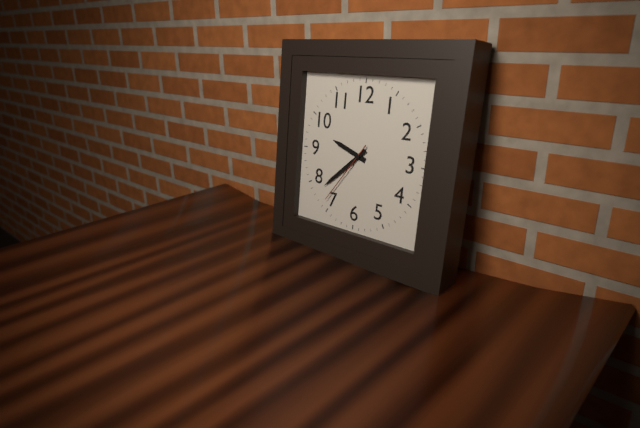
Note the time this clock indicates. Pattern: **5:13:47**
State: **9:38:36**
